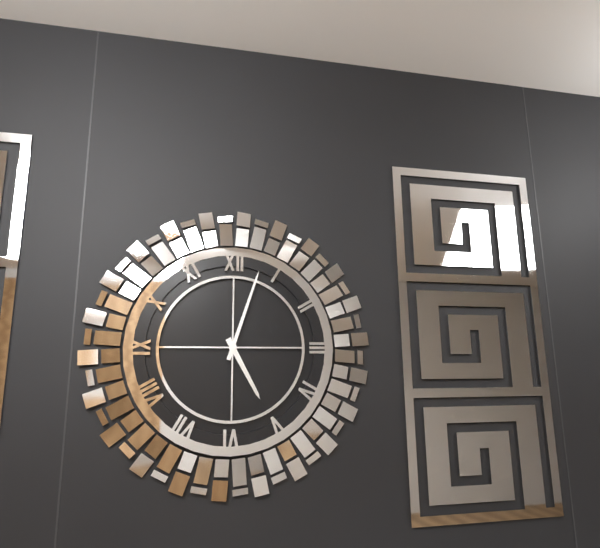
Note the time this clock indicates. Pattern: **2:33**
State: **5:03**
